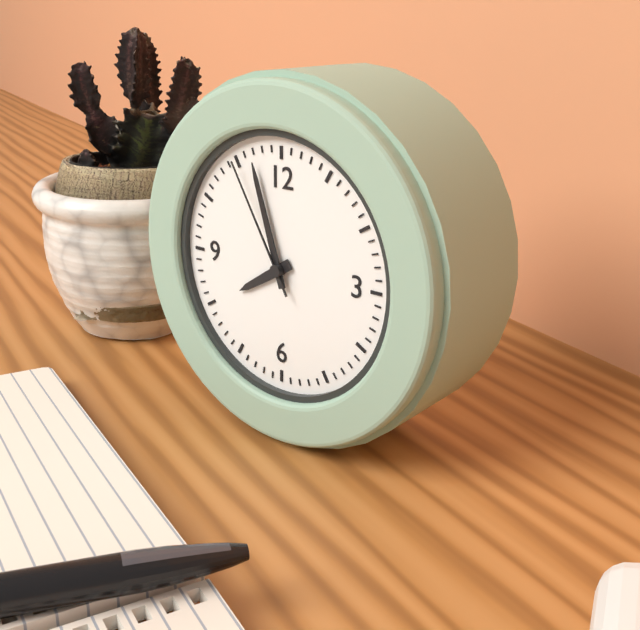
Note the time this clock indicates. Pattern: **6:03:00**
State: **7:57:55**
